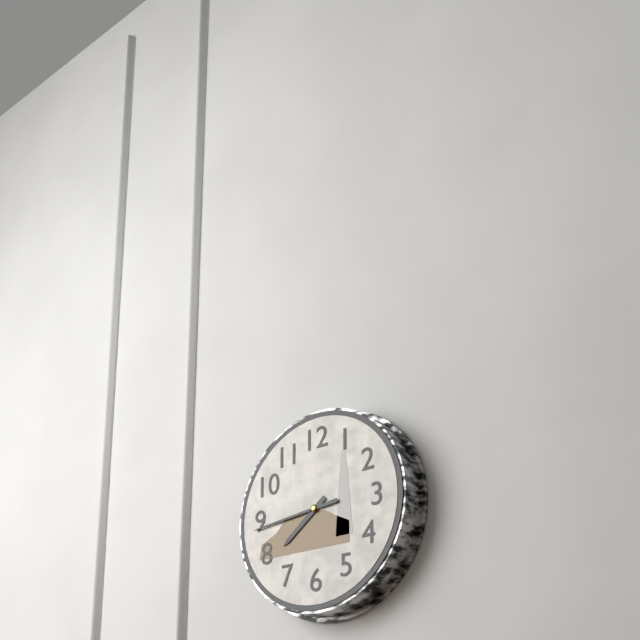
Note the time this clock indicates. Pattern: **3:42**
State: **7:44**
